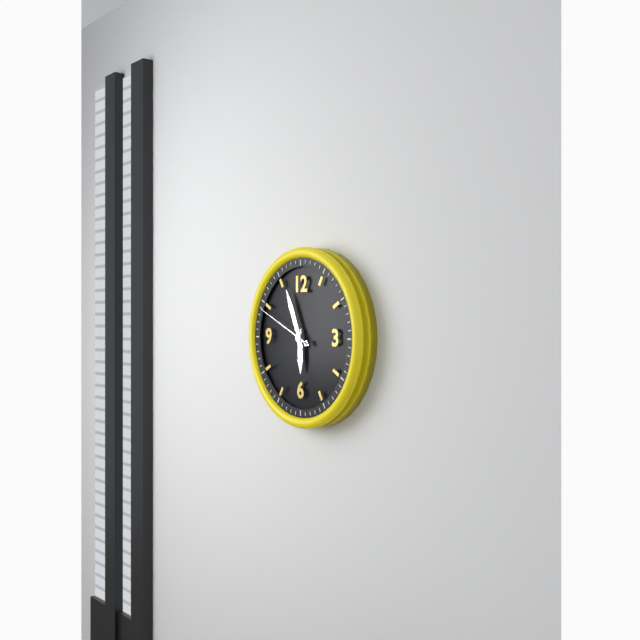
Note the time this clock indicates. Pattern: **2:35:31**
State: **5:56:49**
